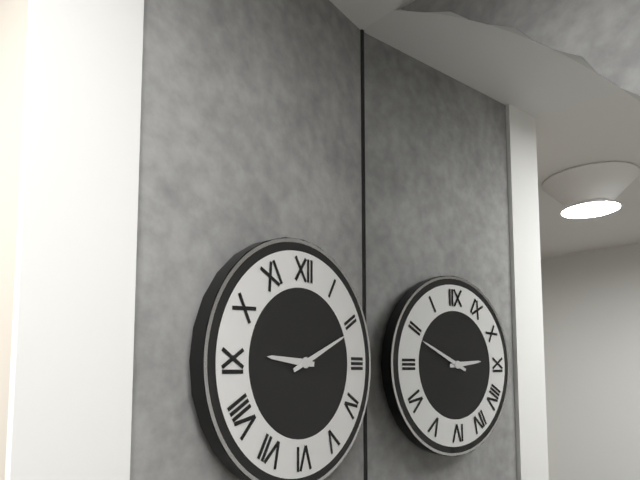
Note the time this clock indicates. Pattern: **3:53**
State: **9:11**
